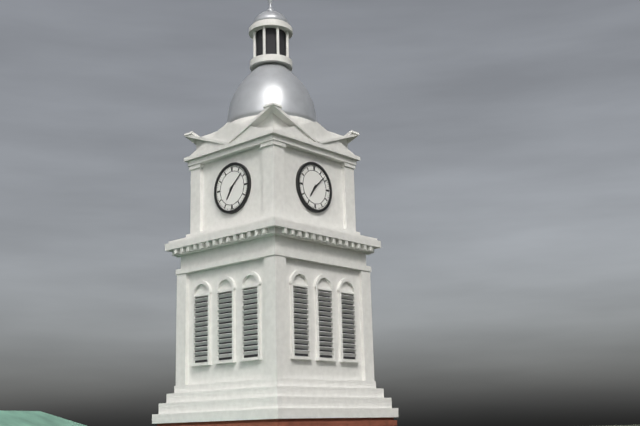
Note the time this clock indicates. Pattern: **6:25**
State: **7:08**
